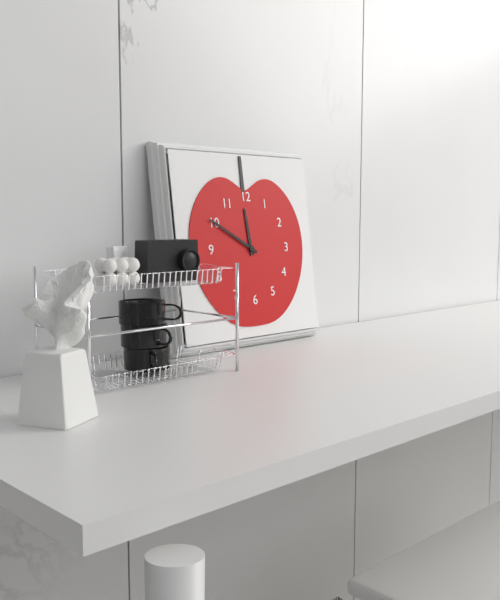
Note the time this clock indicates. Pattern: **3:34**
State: **11:50**
